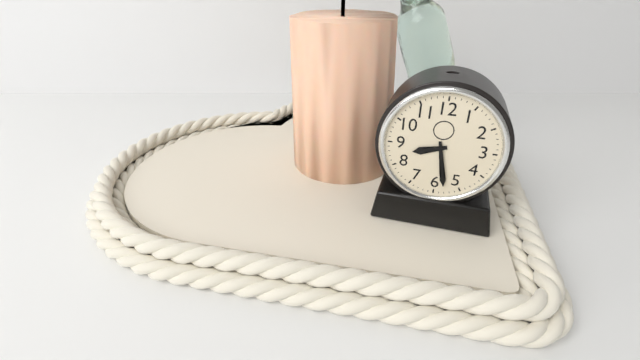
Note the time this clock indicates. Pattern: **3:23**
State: **8:28**
